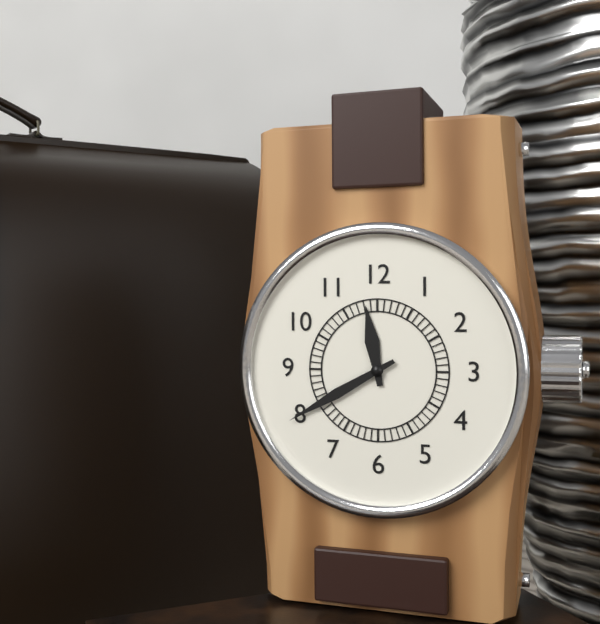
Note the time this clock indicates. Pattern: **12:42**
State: **11:40**
